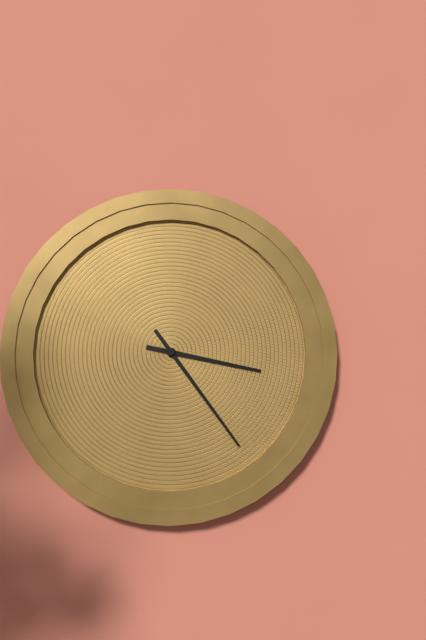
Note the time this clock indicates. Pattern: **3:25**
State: **3:24**
